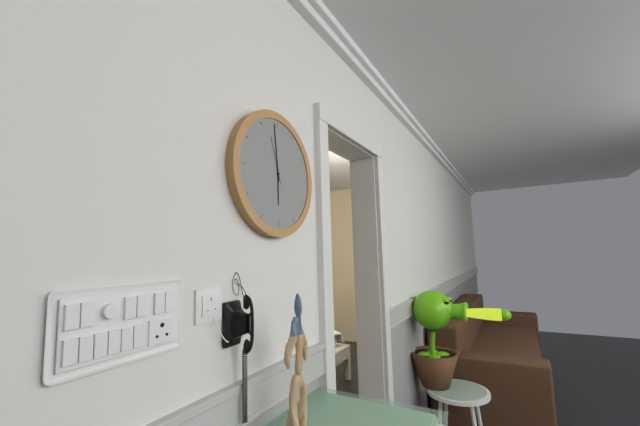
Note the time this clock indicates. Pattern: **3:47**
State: **5:59**
